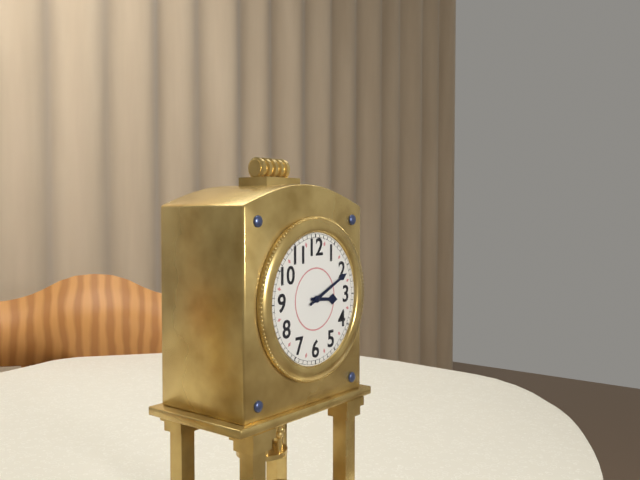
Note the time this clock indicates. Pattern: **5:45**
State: **3:11**
